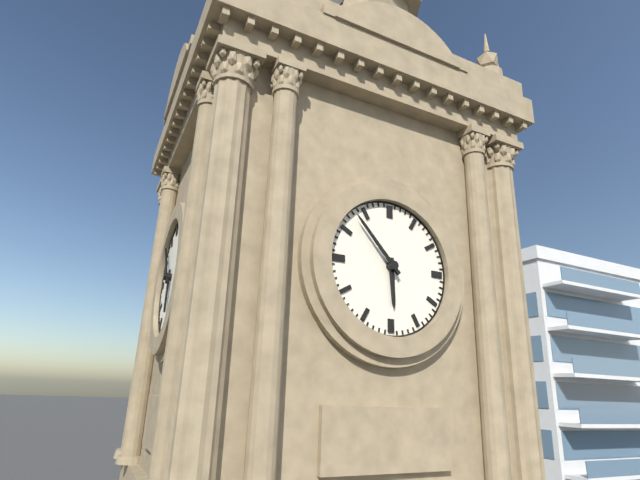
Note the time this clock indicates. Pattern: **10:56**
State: **5:53**
